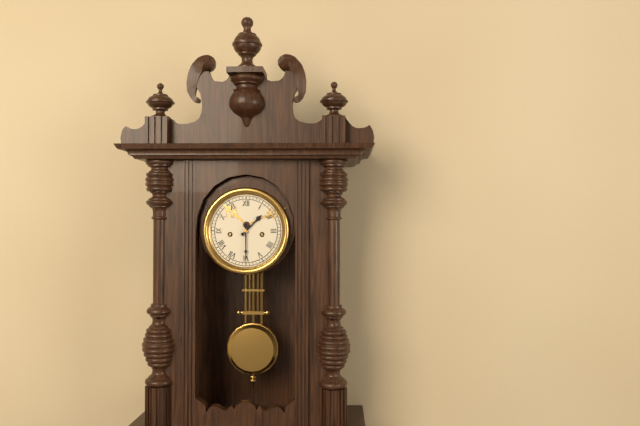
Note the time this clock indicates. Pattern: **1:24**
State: **1:30**
